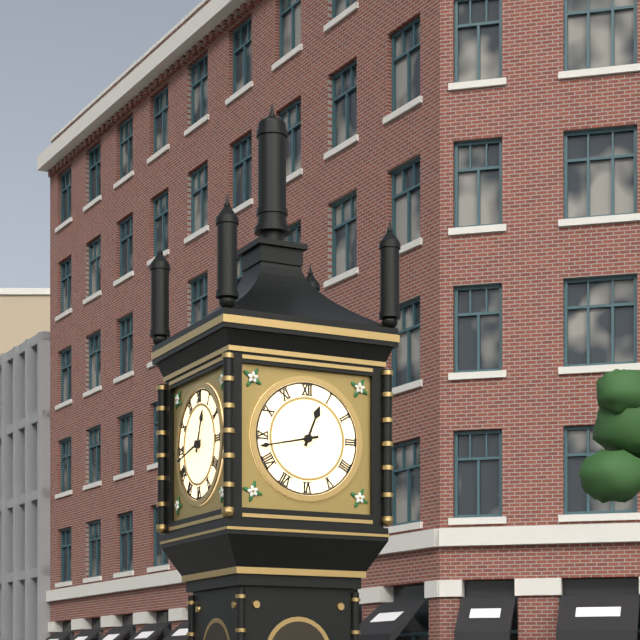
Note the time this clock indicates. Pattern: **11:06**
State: **12:43**
